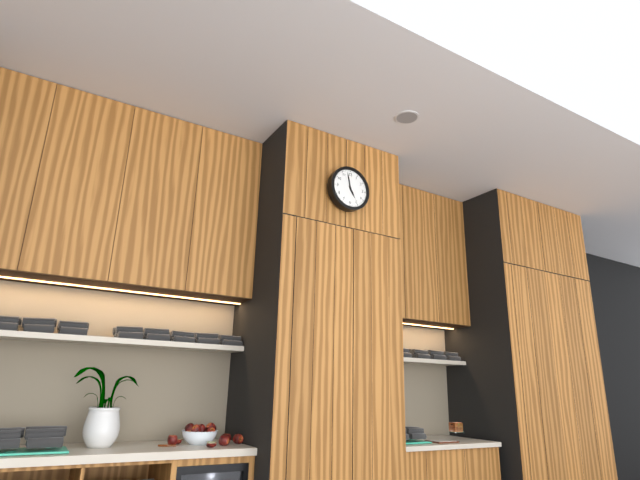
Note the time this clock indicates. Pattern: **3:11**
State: **4:58**
